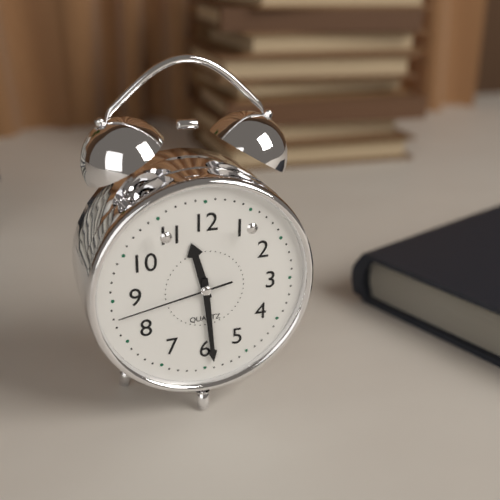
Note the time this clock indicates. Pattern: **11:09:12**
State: **11:29:43**
